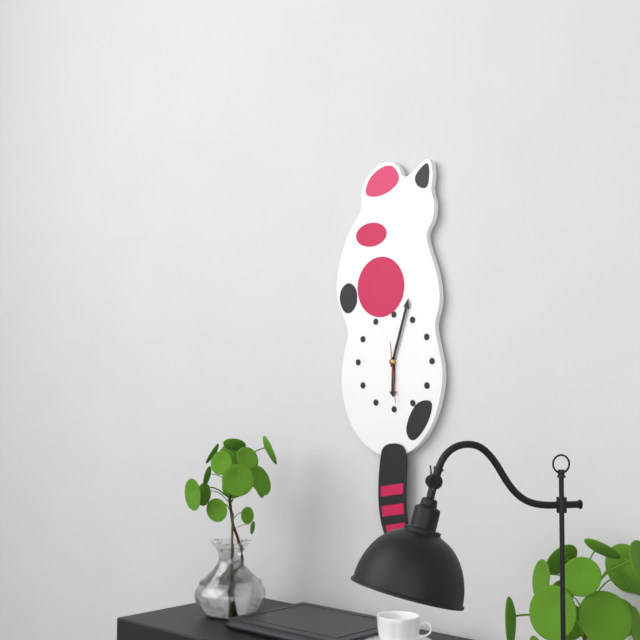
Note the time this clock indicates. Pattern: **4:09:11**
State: **6:03:29**
